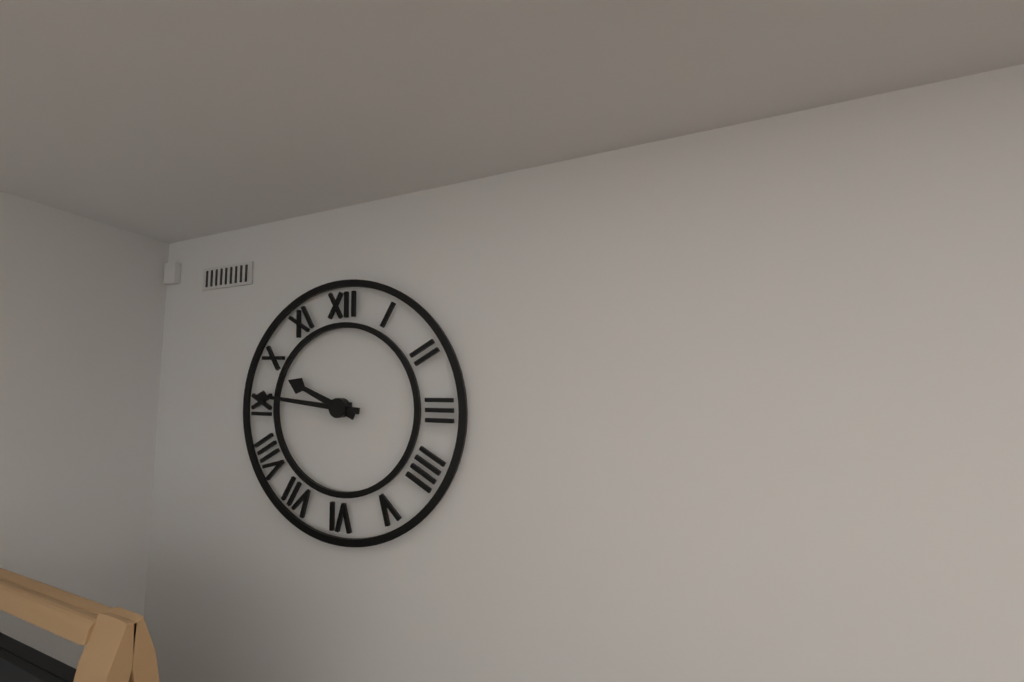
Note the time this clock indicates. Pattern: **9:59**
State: **9:46**
